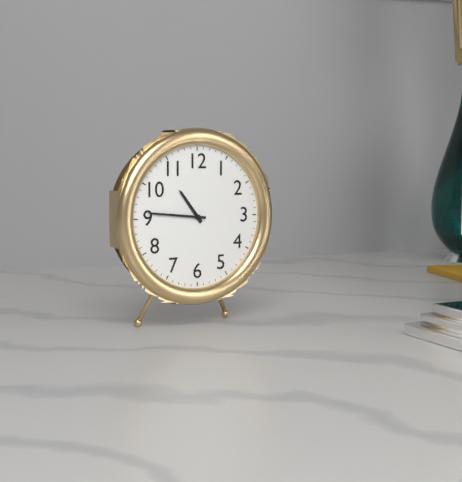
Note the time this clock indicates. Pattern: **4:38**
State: **10:46**
